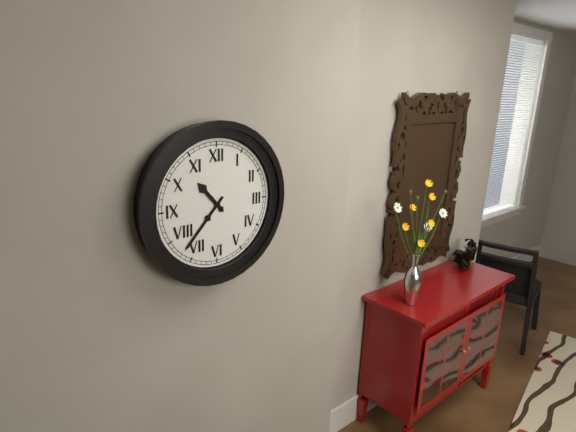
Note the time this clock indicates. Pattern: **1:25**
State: **10:37**
